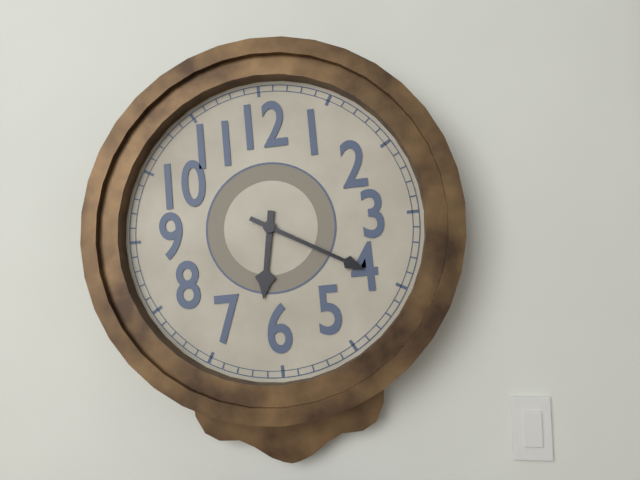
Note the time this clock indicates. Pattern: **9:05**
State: **6:20**
